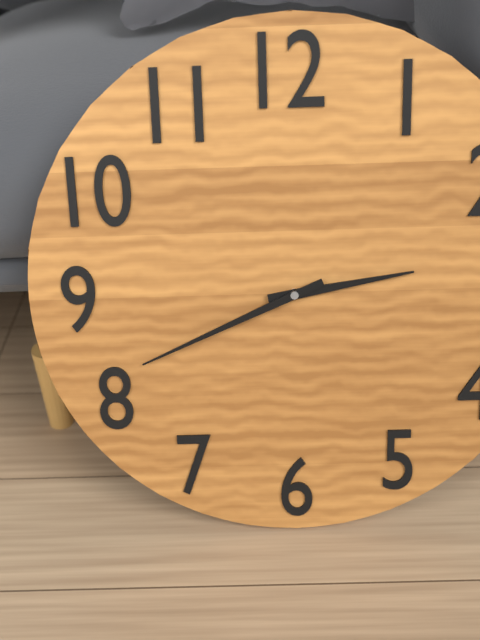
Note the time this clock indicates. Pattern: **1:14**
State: **2:41**
